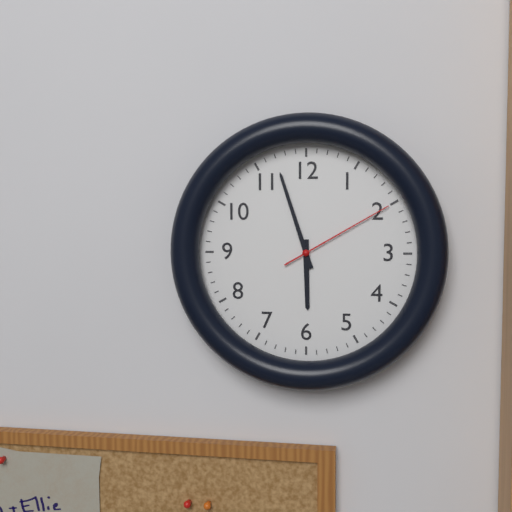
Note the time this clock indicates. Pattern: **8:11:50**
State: **5:57:10**
